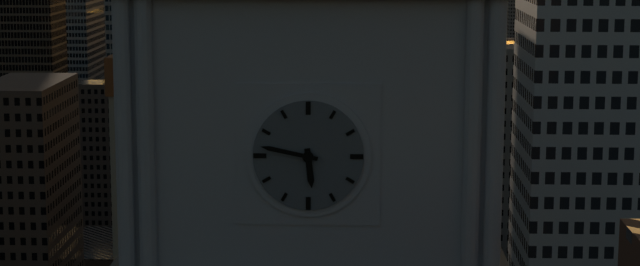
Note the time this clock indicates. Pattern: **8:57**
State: **5:47**
